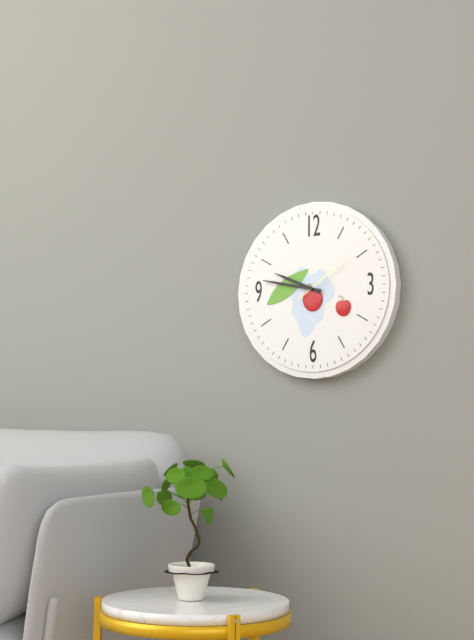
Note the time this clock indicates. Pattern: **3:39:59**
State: **9:47:09**
